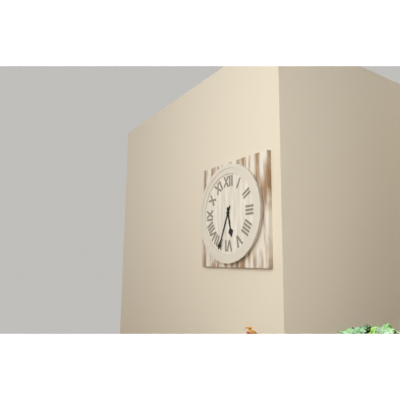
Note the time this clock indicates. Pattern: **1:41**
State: **5:34**
